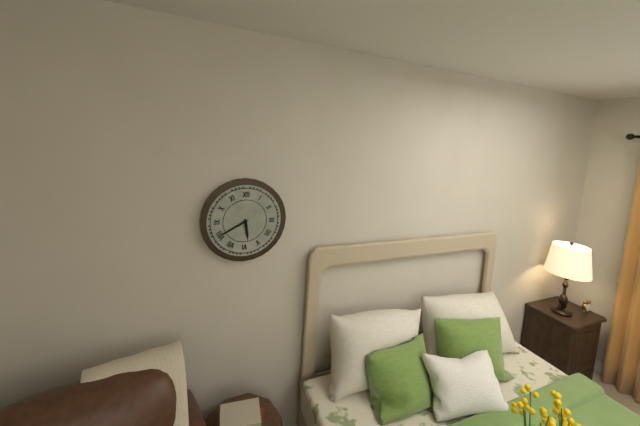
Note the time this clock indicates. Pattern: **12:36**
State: **5:40**
